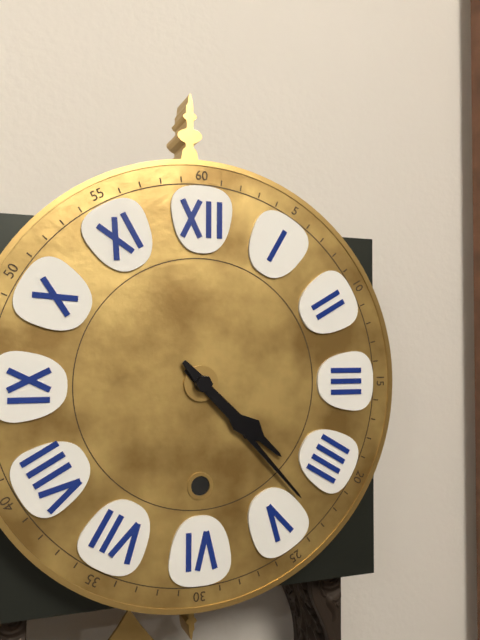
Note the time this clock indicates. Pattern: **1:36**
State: **4:23**
